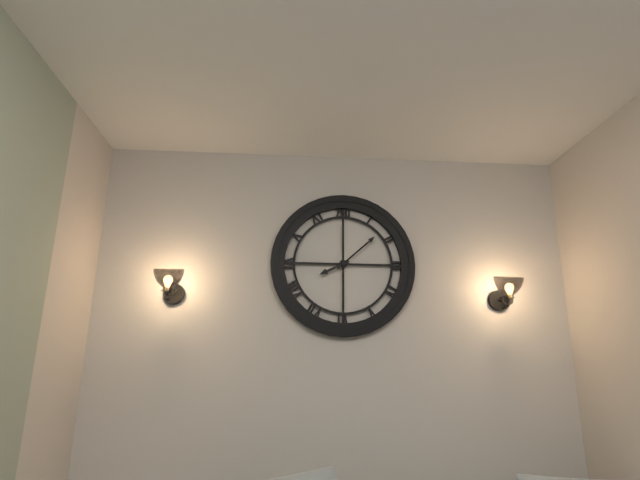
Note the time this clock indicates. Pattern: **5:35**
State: **8:08**
